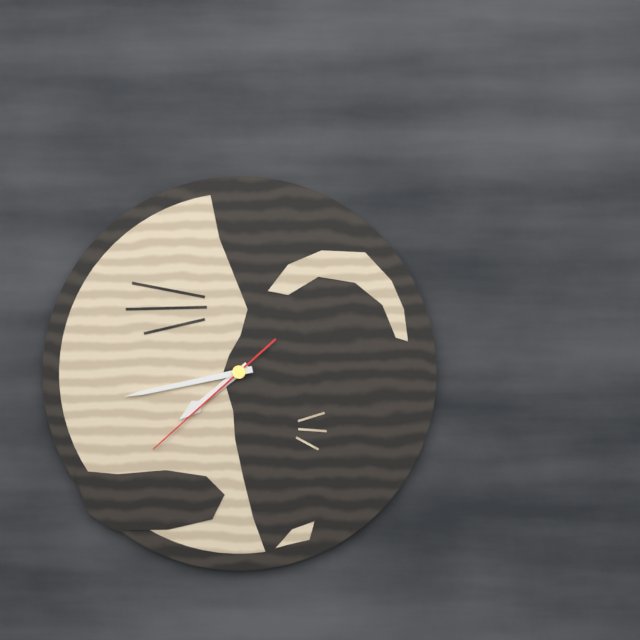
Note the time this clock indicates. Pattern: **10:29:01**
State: **7:43:38**
